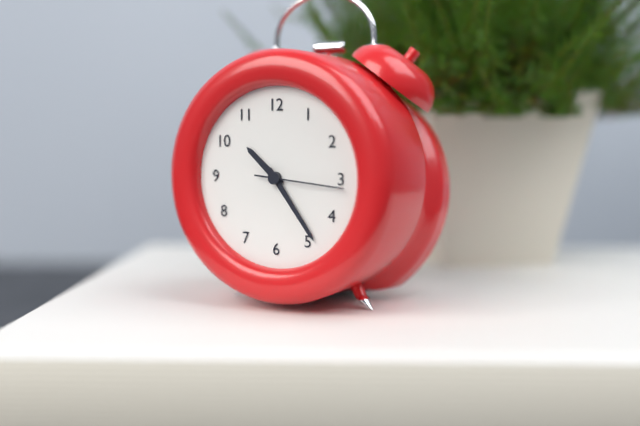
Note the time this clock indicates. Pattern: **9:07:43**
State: **10:24:16**
